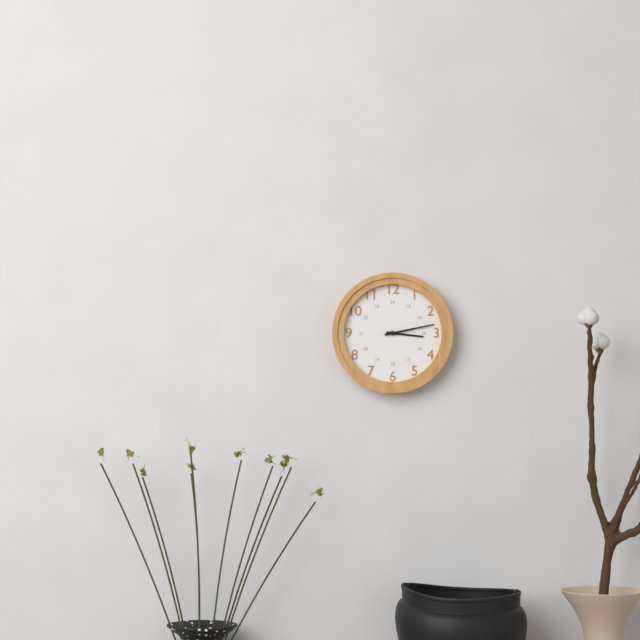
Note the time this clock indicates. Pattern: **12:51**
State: **3:13**
